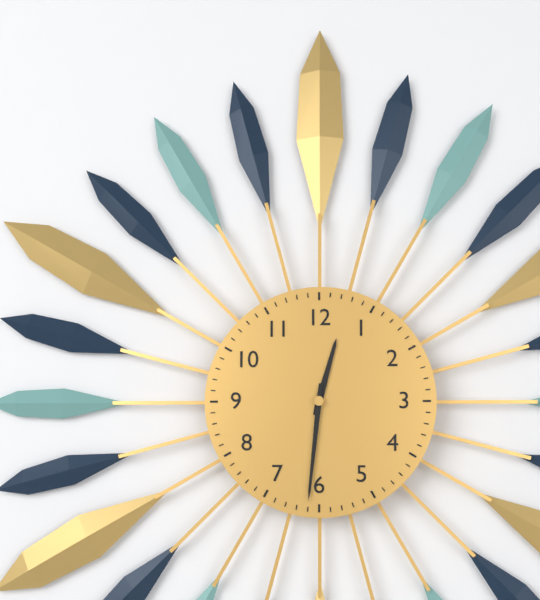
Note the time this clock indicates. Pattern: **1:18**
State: **12:31**
